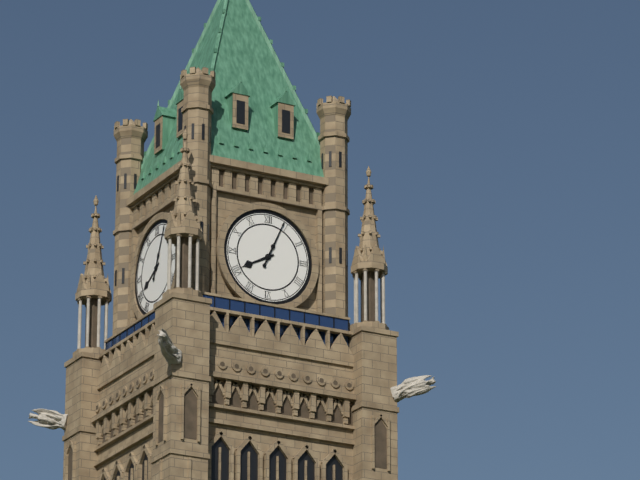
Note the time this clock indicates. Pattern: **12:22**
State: **8:04**
